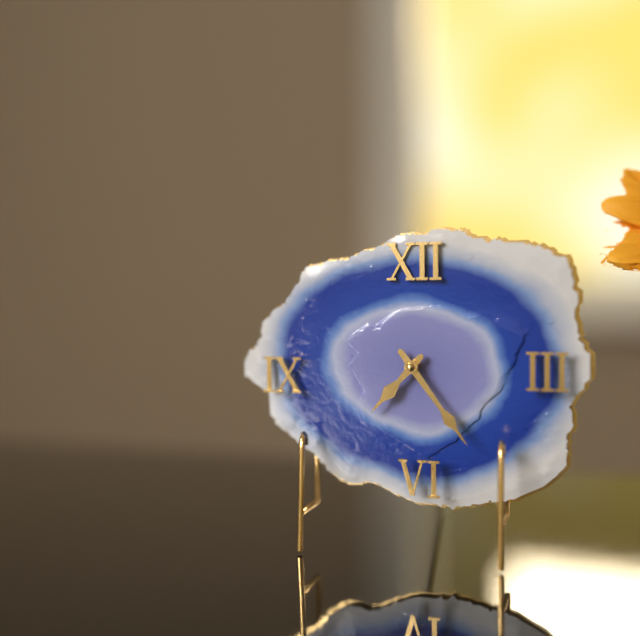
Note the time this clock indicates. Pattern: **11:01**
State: **7:24**
